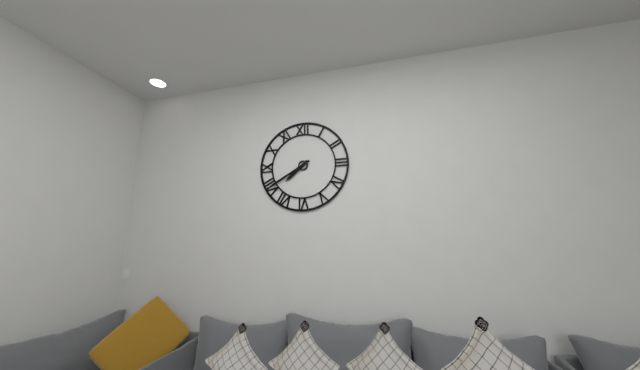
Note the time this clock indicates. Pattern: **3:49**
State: **7:40**
